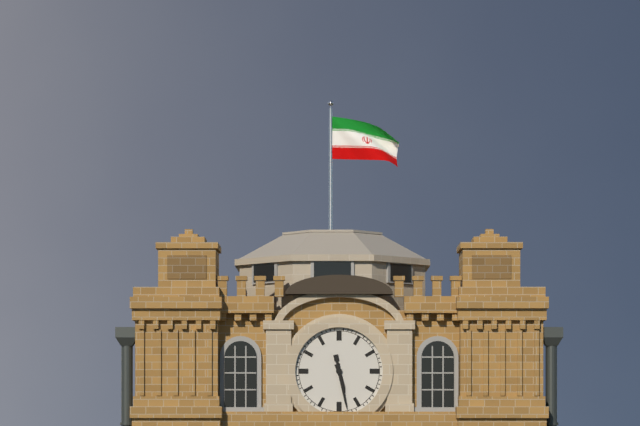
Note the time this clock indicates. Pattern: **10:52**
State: **5:28**
